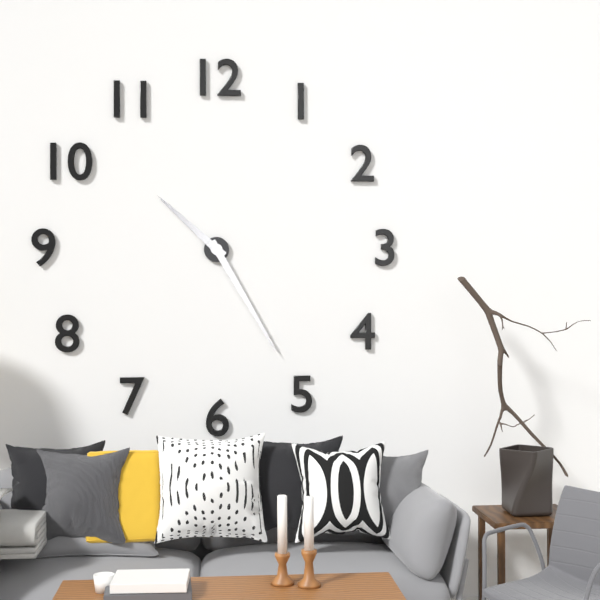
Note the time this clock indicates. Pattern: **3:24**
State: **10:25**
